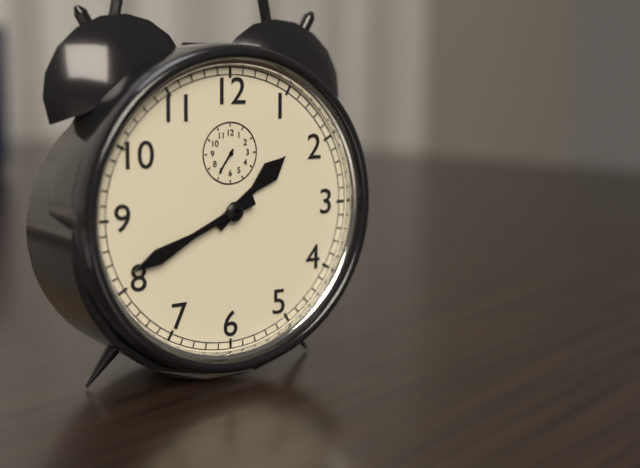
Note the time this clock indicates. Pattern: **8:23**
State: **1:41**
